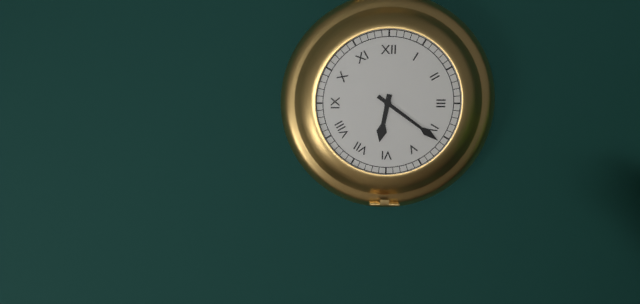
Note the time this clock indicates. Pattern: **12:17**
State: **6:21**
